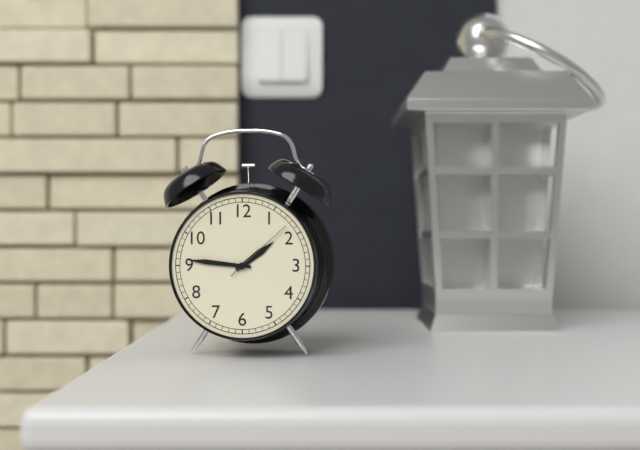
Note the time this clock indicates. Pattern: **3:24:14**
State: **1:46:08**
